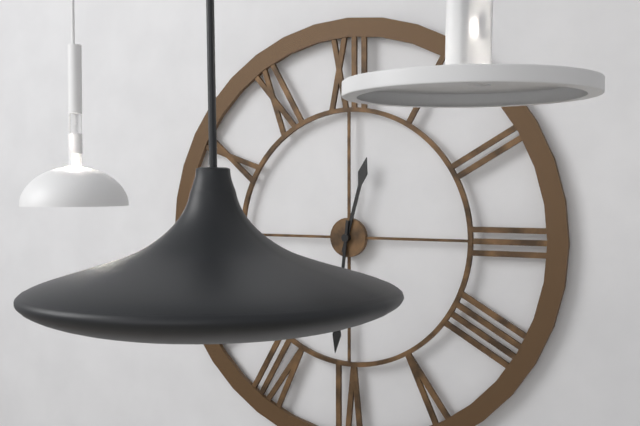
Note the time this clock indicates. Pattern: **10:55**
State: **12:31**
